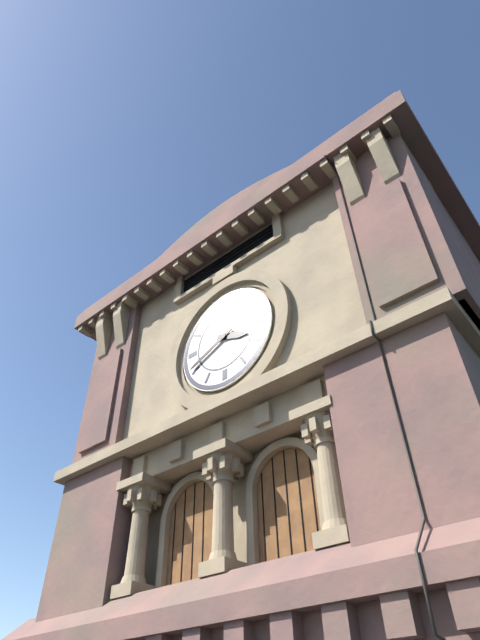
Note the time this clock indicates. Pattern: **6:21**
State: **3:41**
